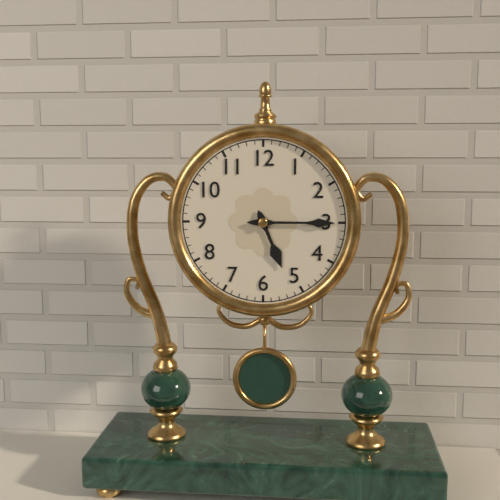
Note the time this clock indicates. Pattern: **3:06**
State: **5:15**
